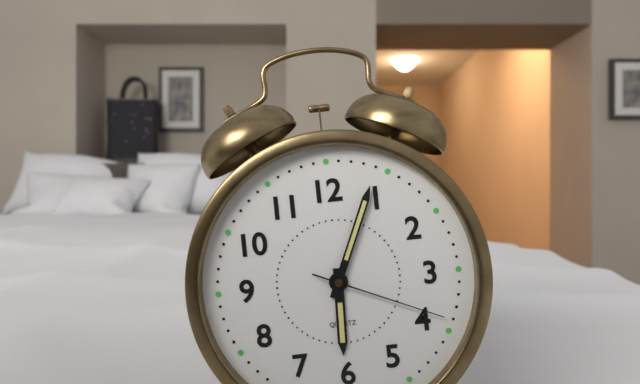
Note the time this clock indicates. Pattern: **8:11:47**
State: **6:04:19**
